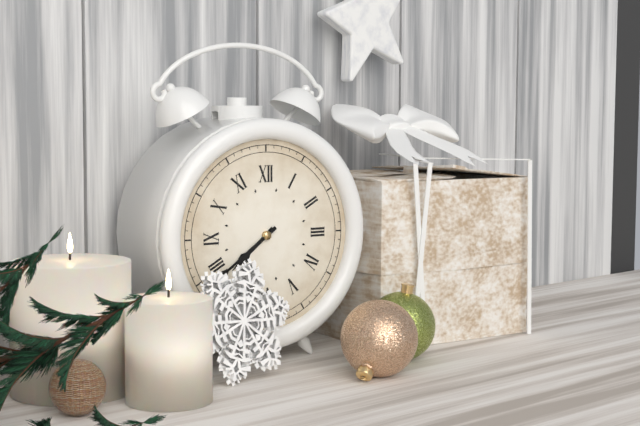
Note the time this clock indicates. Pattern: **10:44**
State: **7:39**
